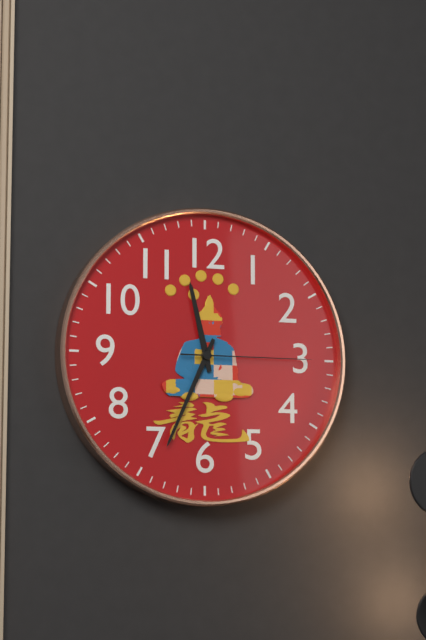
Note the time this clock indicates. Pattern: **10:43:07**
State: **11:34:15**
